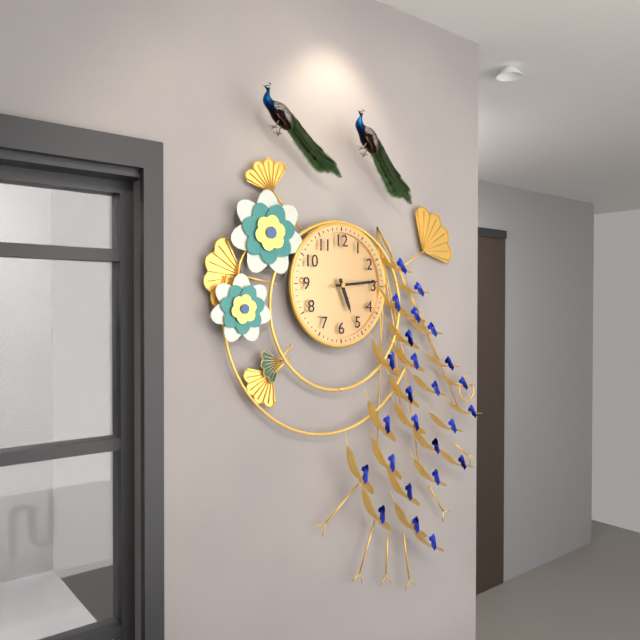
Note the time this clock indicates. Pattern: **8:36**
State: **5:14**
